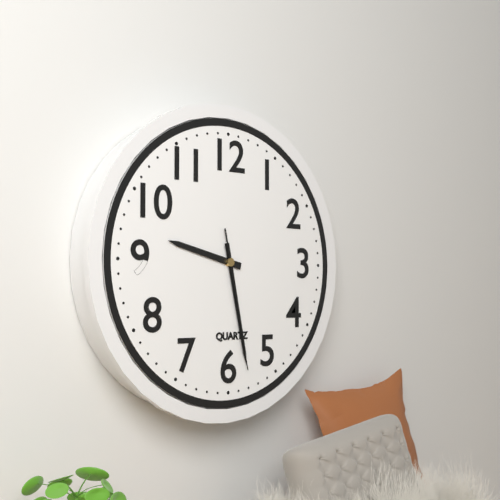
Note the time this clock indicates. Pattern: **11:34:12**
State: **9:28:28**
